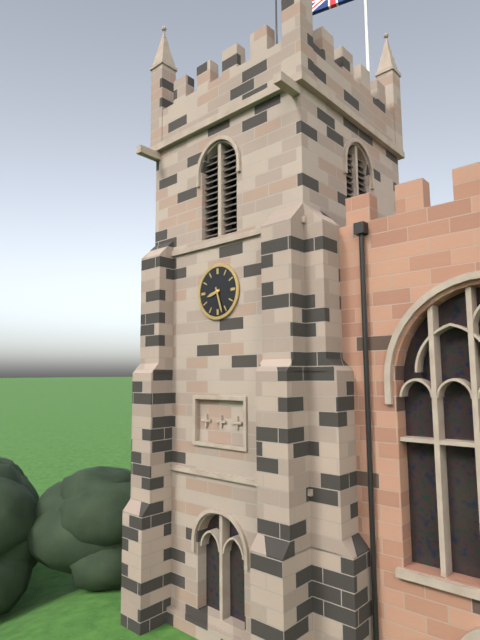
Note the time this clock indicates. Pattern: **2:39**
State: **8:27**
